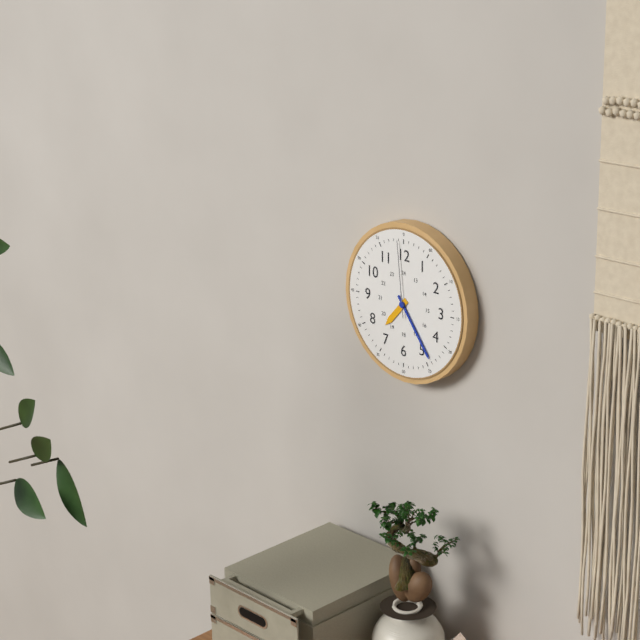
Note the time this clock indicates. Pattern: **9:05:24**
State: **7:24:59**
